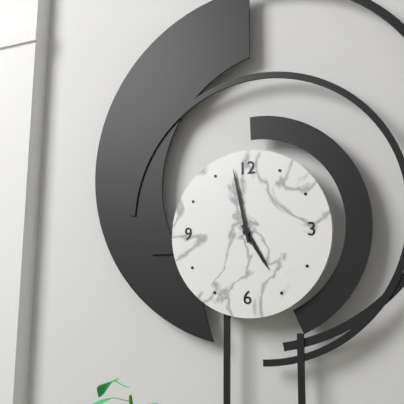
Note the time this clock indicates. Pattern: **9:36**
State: **4:58**
